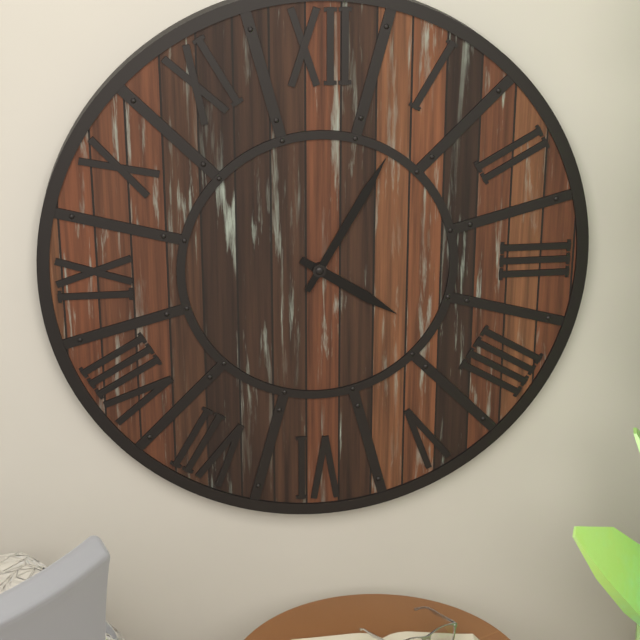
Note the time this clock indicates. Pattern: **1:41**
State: **4:05**
